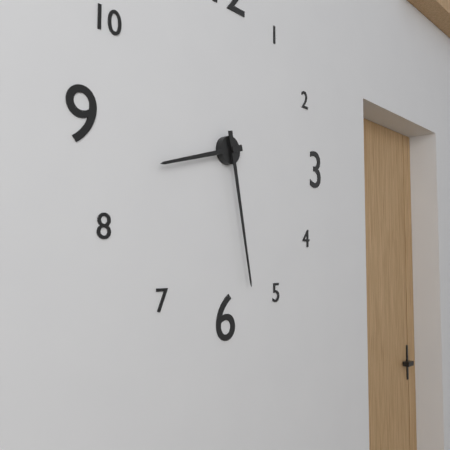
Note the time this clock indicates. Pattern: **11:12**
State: **8:28**
